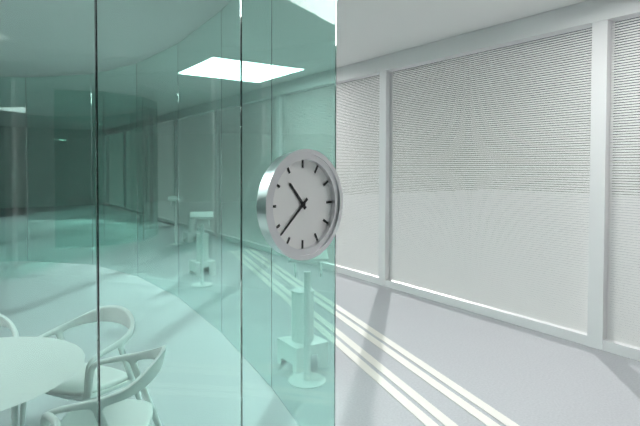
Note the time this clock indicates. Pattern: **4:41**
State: **10:38**
